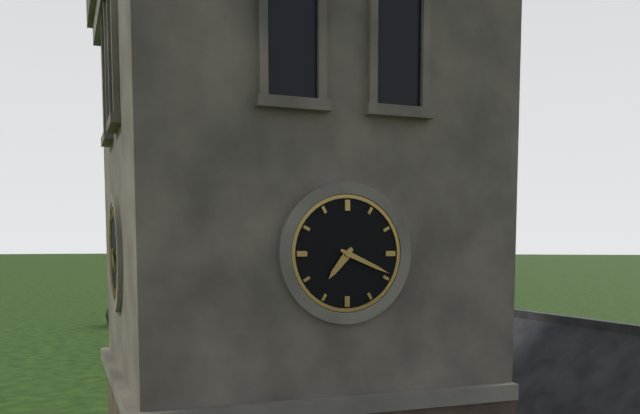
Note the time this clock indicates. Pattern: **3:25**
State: **7:19**
